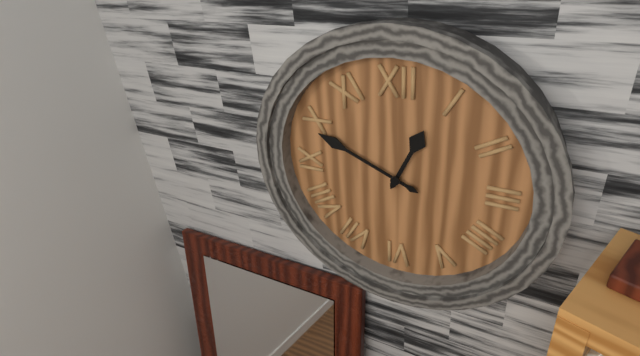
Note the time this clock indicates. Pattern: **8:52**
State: **12:49**
